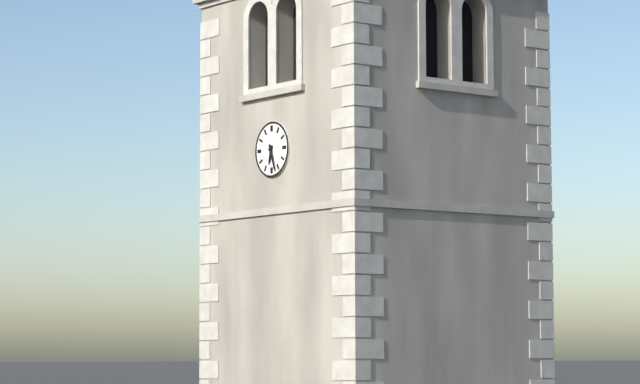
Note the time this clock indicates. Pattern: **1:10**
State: **6:27**
